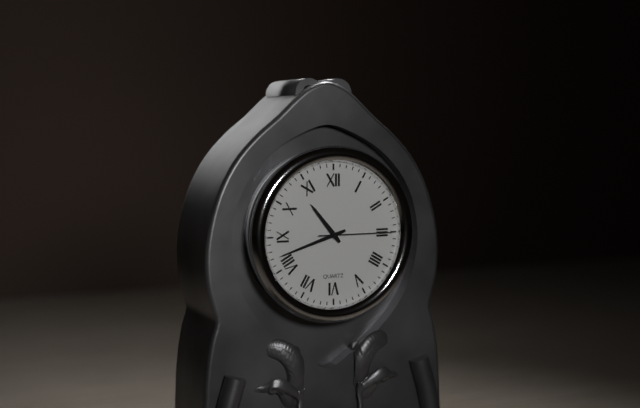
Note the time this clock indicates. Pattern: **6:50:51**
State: **10:42:15**
